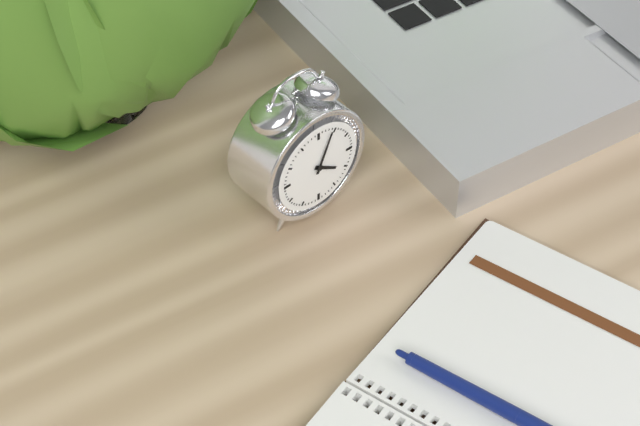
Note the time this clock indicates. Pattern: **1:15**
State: **4:04**
